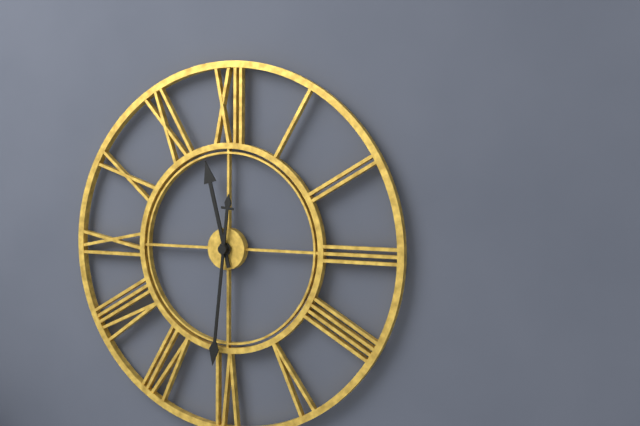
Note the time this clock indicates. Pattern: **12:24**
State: **11:31**
